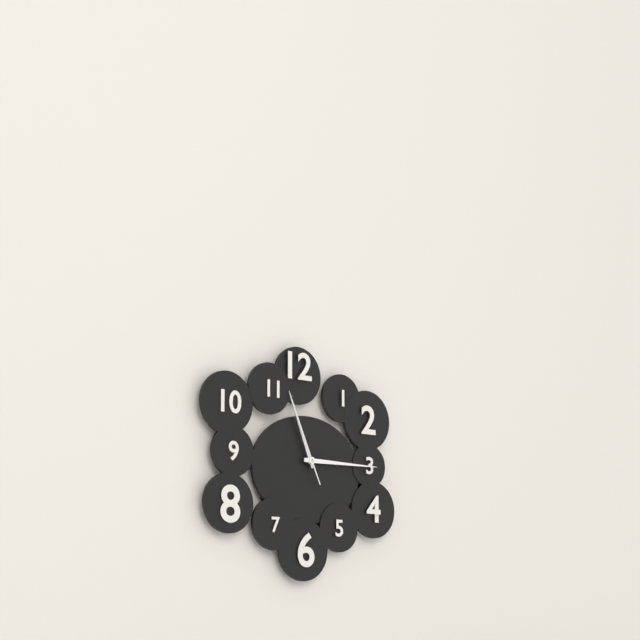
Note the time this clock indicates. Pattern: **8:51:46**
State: **11:15:56**
